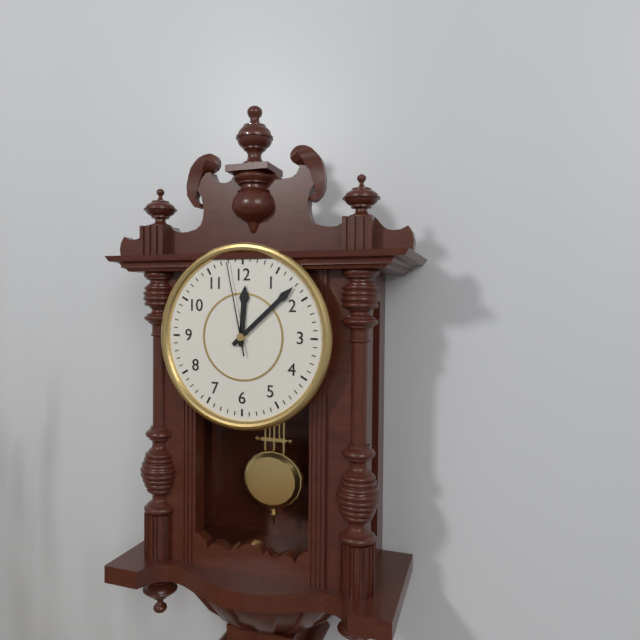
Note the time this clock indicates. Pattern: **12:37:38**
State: **12:08:58**
